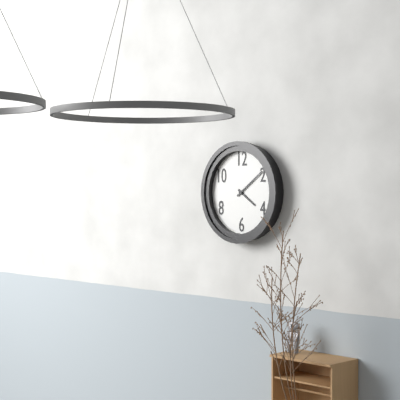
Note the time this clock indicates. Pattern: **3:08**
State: **4:09**
